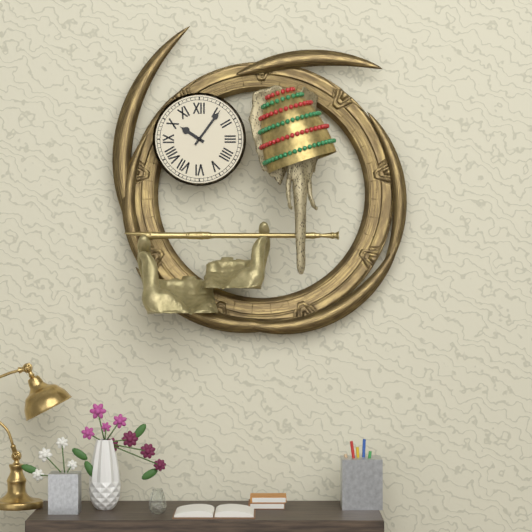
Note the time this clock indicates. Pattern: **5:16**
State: **10:06**
